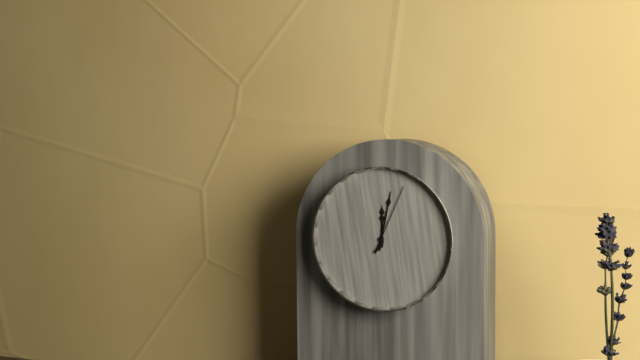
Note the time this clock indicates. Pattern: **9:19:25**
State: **12:02:04**
